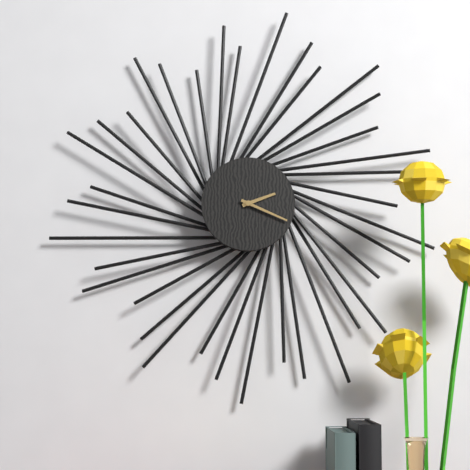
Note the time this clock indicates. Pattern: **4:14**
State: **2:19**
